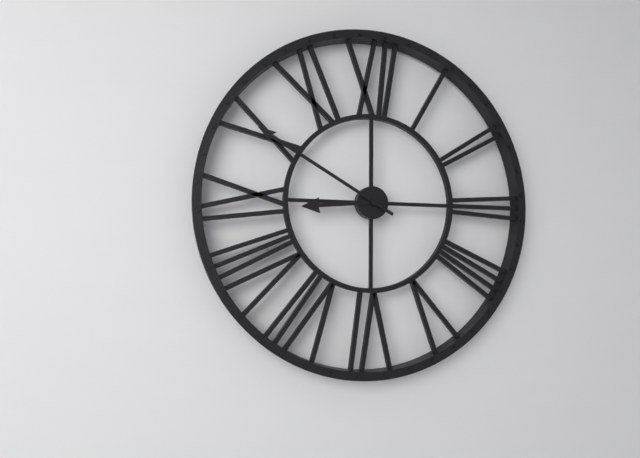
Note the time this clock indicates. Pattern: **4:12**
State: **8:50**
